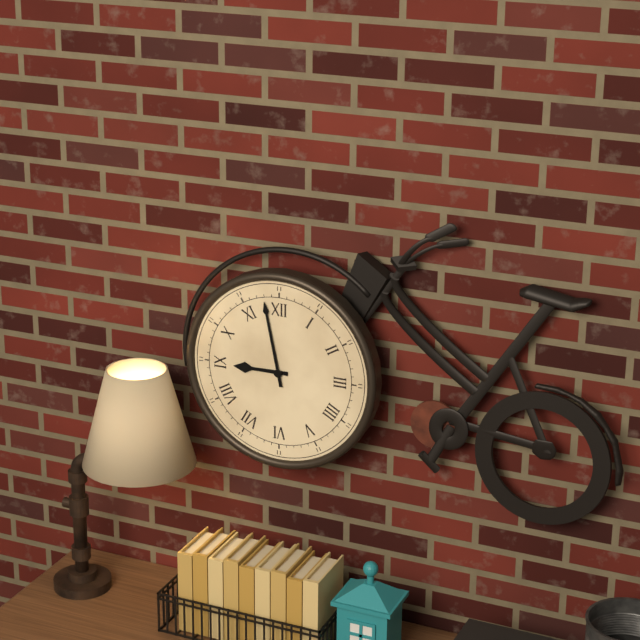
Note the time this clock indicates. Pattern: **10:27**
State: **8:58**
